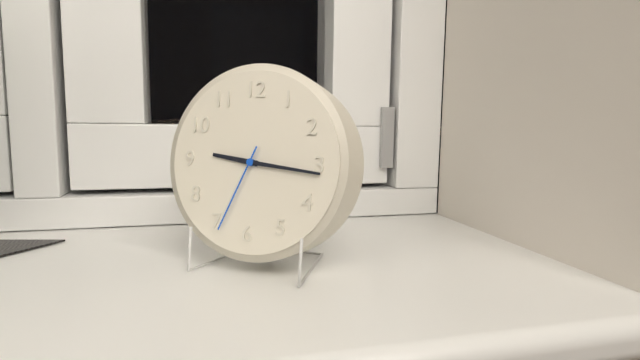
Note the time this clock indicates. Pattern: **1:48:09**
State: **9:16:34**
